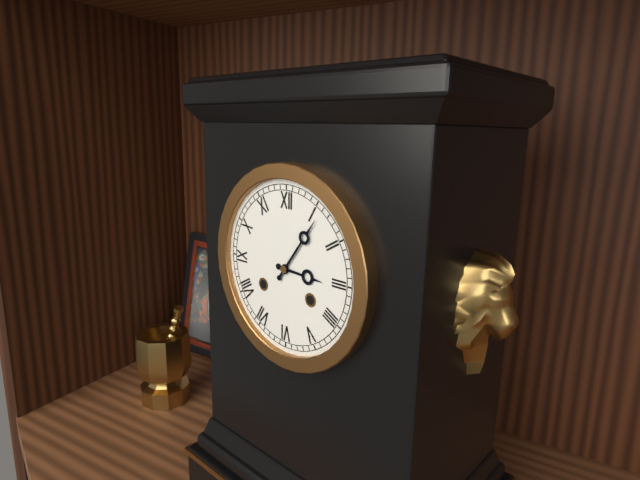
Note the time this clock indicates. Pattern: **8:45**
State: **3:06**
